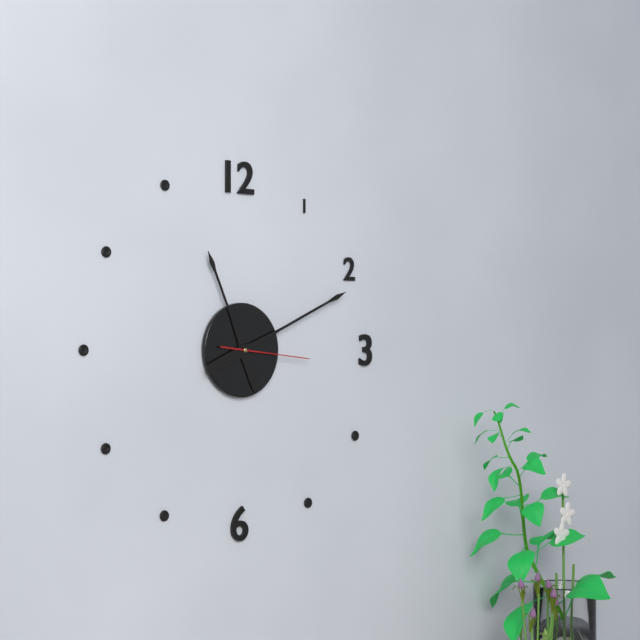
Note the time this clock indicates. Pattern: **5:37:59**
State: **11:11:16**
